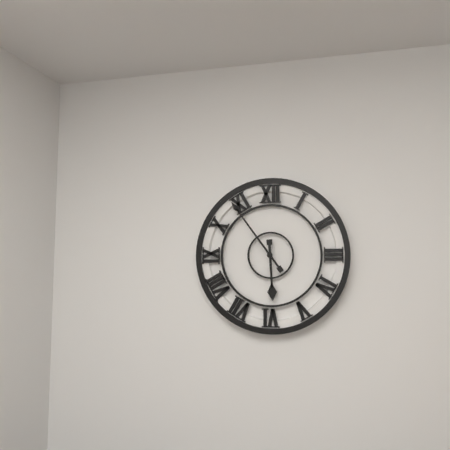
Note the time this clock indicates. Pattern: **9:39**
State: **5:54**
